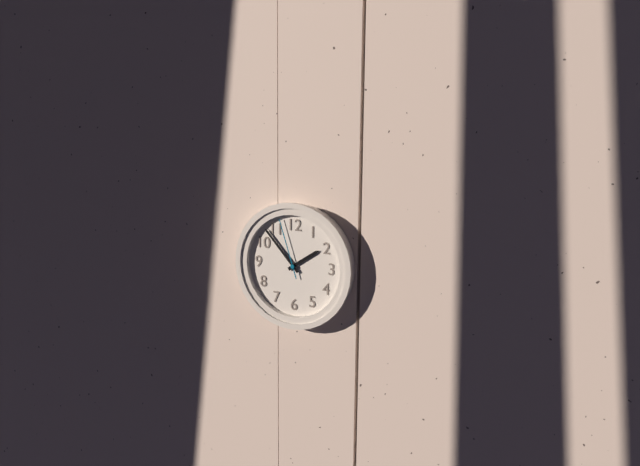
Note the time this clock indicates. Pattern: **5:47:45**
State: **1:53:57**
